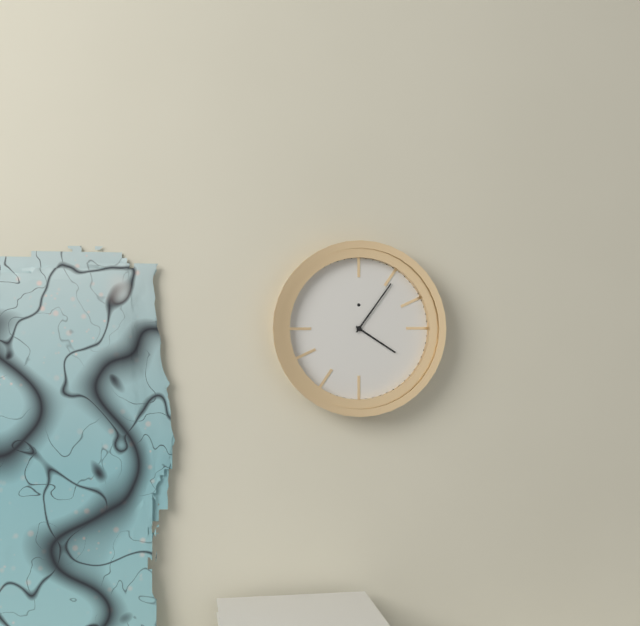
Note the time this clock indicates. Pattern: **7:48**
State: **4:06**
